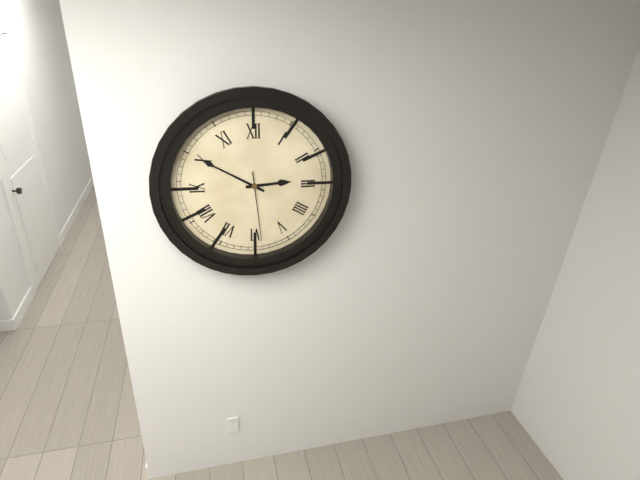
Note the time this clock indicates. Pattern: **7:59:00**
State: **2:50:29**
